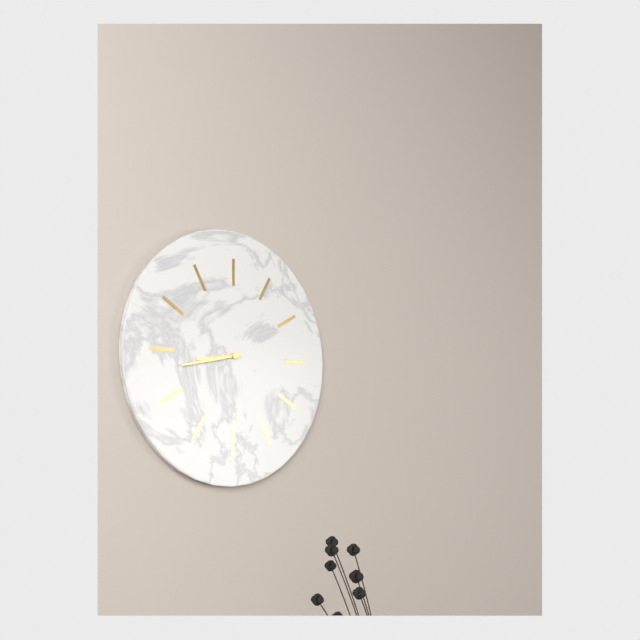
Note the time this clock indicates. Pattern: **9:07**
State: **8:43**
